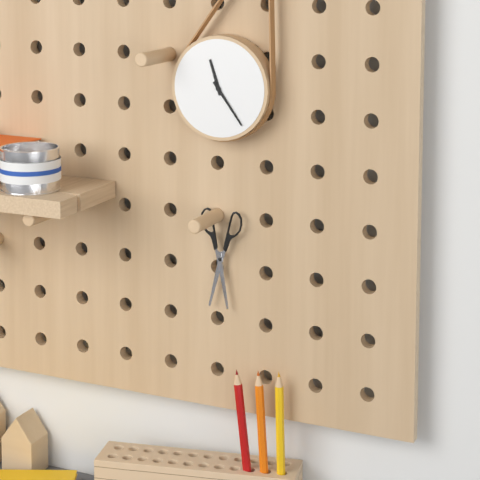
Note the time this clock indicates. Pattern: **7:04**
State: **11:24**
